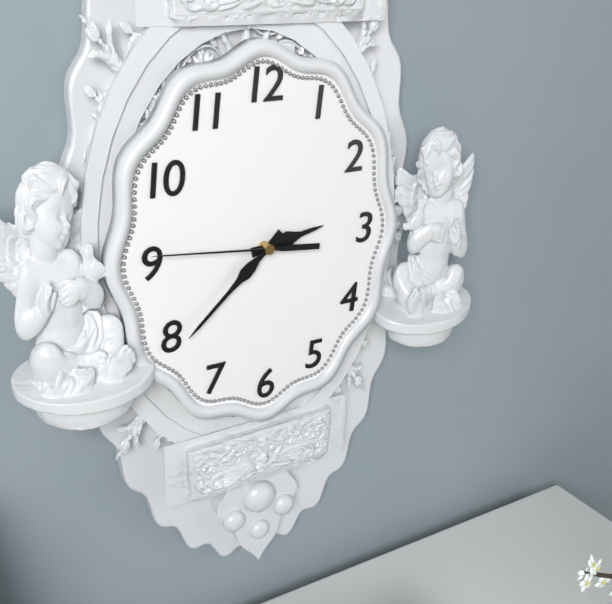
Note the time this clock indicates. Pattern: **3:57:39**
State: **2:38:46**
